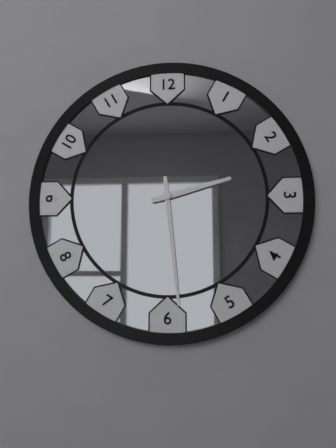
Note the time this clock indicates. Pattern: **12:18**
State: **2:29**
